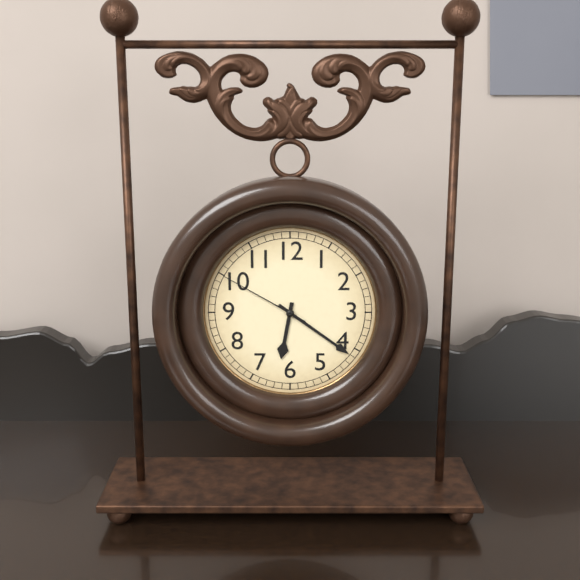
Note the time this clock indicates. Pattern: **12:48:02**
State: **6:21:50**
